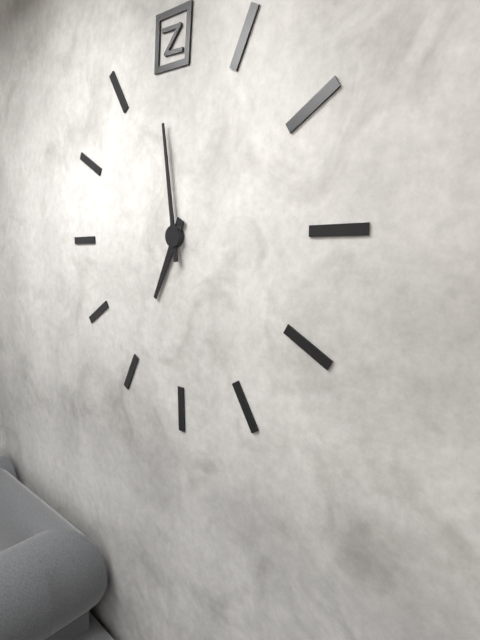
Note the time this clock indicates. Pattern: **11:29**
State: **6:59**
